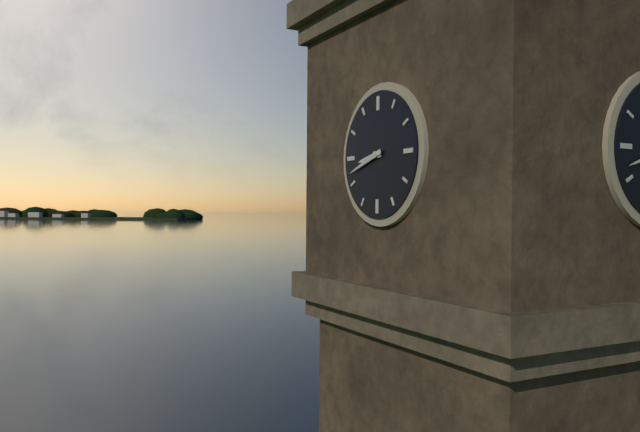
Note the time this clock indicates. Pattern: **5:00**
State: **8:42**
